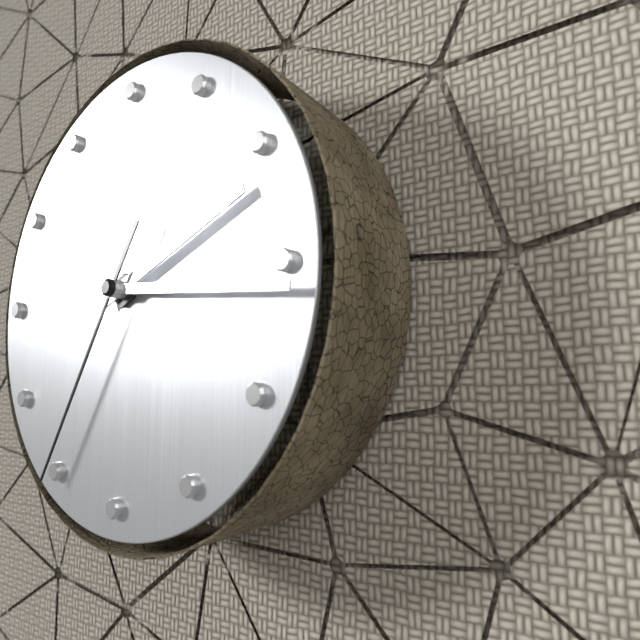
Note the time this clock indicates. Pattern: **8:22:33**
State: **2:16:35**
